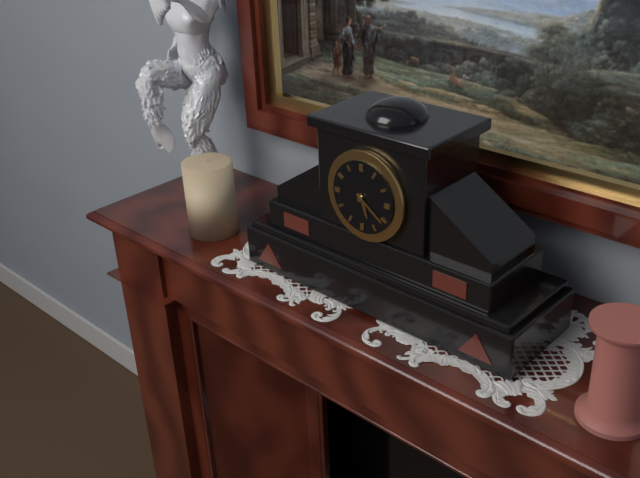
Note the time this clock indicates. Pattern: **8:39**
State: **5:21**
